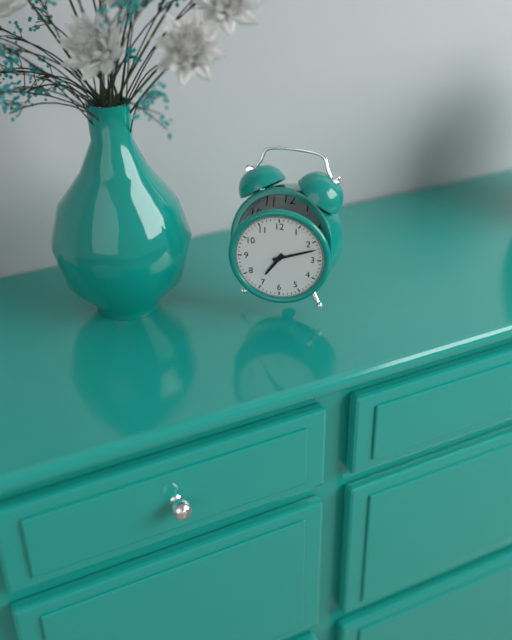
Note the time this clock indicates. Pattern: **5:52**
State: **7:12**
